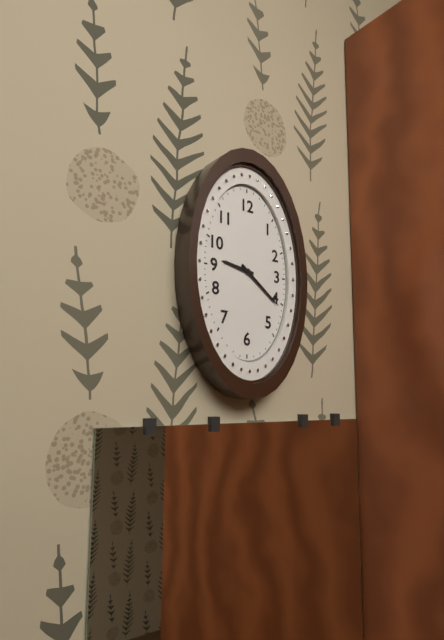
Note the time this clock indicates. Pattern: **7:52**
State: **9:21**
